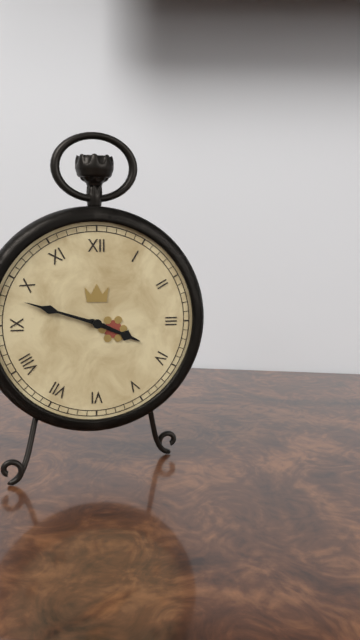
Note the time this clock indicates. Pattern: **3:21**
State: **3:48**
